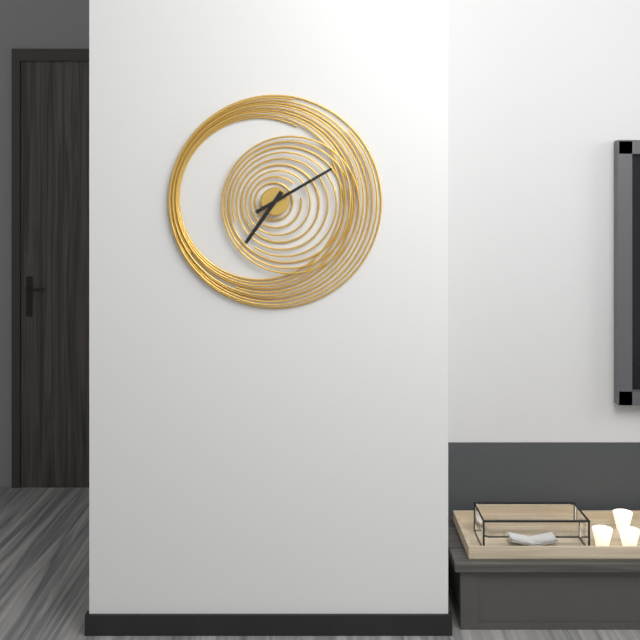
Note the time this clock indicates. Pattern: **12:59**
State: **7:10**
